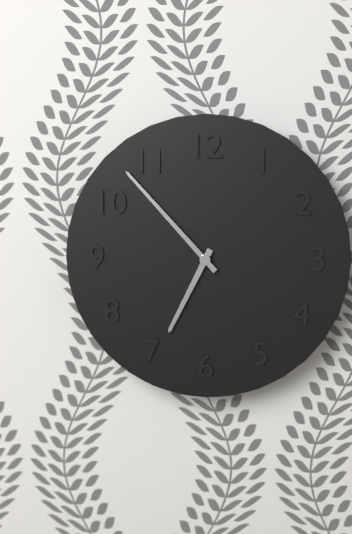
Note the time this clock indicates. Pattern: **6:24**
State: **6:53**
